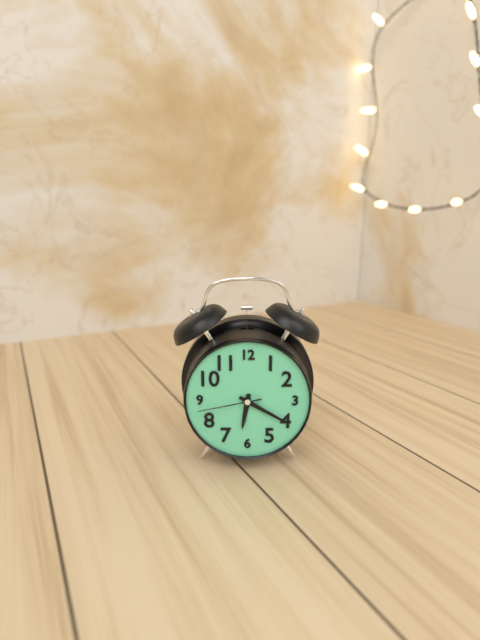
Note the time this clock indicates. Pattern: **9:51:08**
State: **6:20:43**
